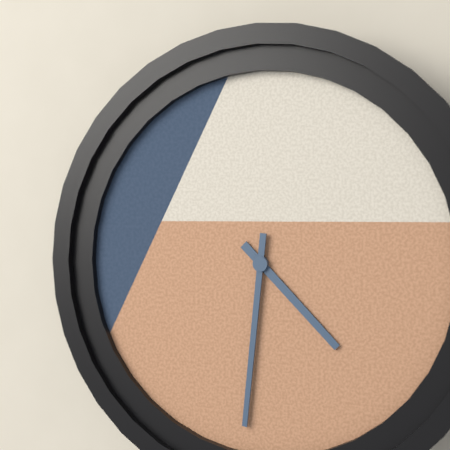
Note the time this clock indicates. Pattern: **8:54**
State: **4:31**
